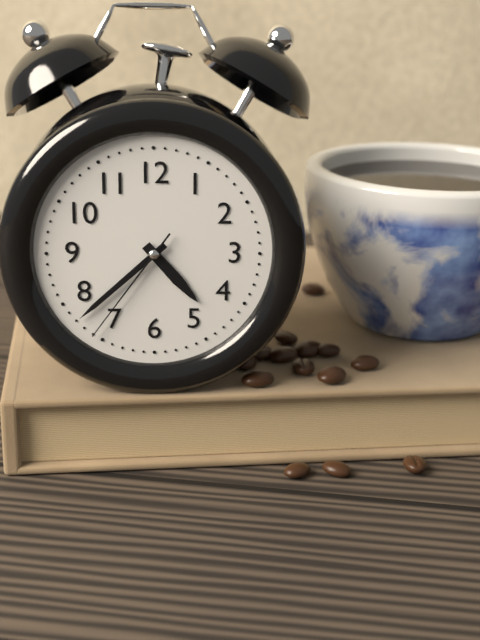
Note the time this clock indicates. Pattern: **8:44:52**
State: **4:38:36**
